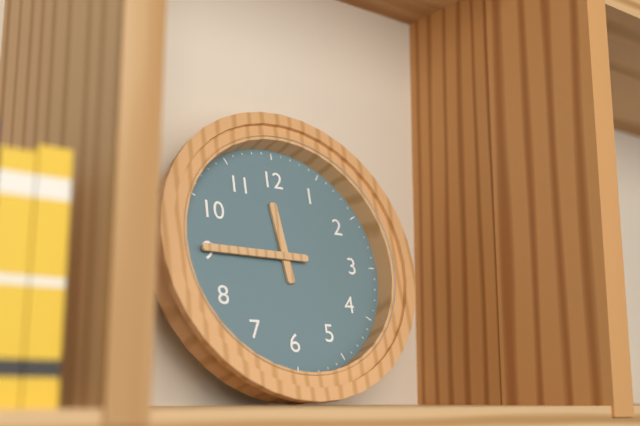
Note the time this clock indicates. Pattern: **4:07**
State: **11:45**
